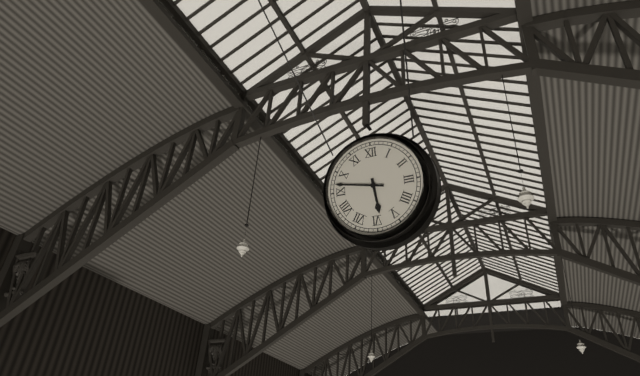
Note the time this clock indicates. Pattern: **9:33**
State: **5:47**
